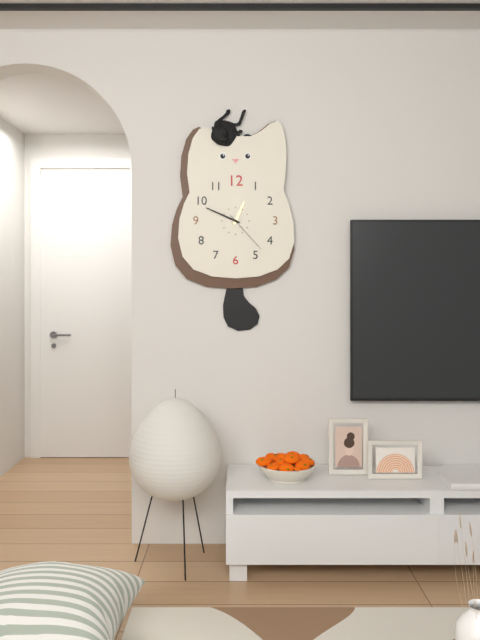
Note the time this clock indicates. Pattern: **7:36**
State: **12:49**
